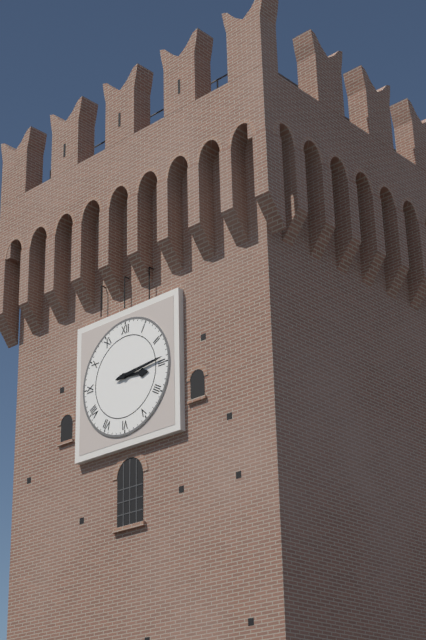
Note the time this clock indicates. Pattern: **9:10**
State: **3:14**
